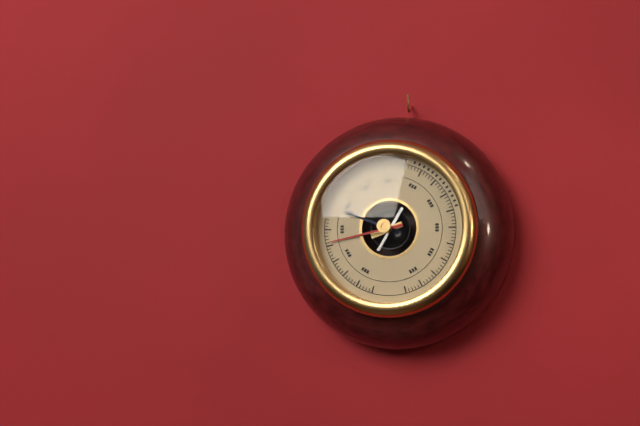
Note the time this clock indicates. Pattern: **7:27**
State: **9:43**
